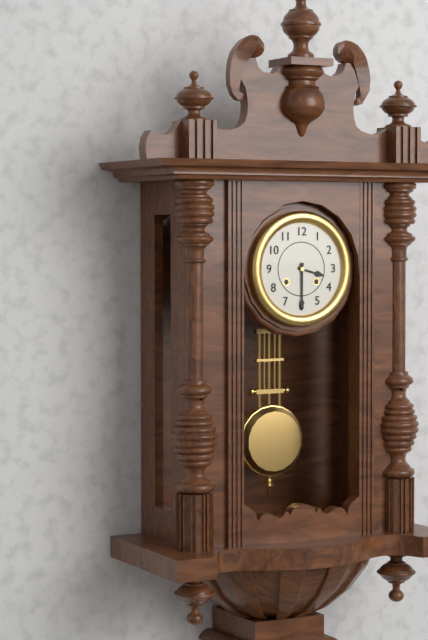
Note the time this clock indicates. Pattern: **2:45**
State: **3:30**
